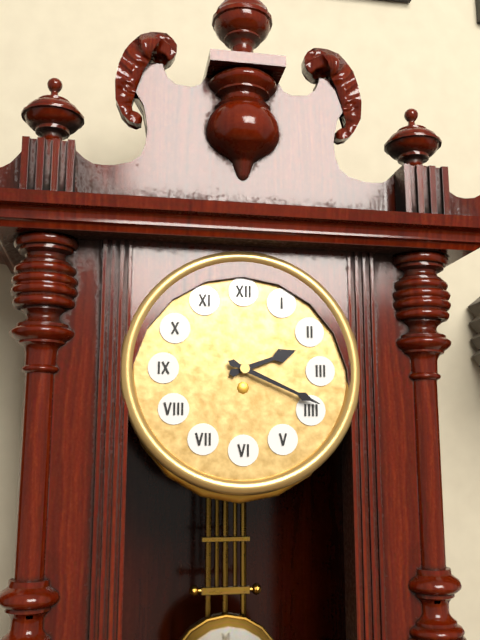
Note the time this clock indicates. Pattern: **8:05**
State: **2:19**
